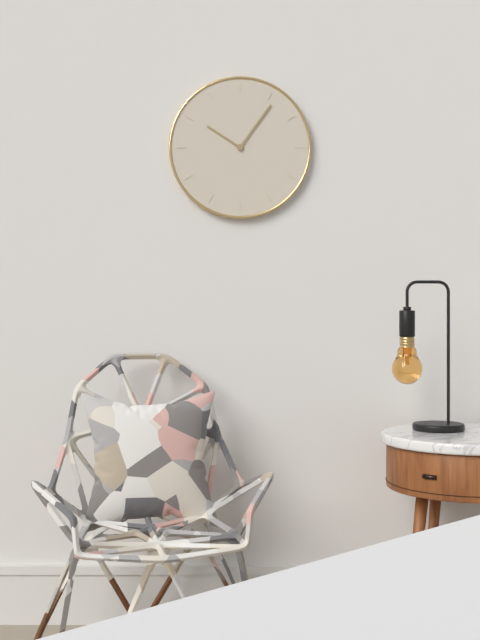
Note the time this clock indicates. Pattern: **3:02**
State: **10:06**
